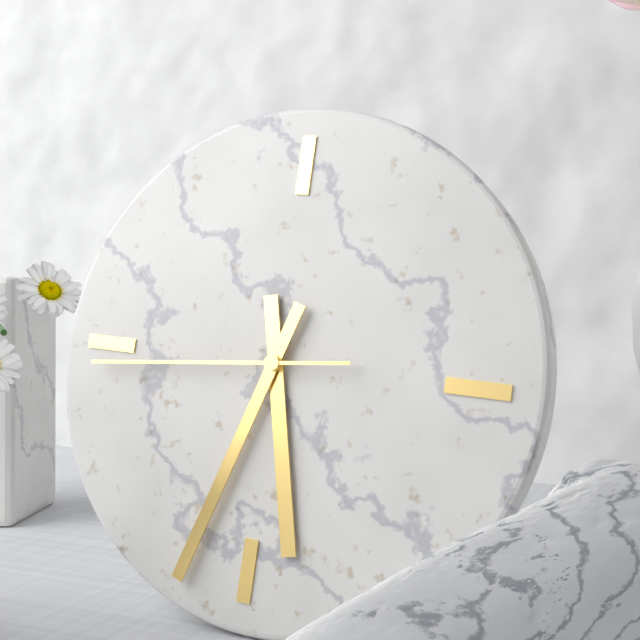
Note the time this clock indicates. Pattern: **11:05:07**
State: **5:33:44**
